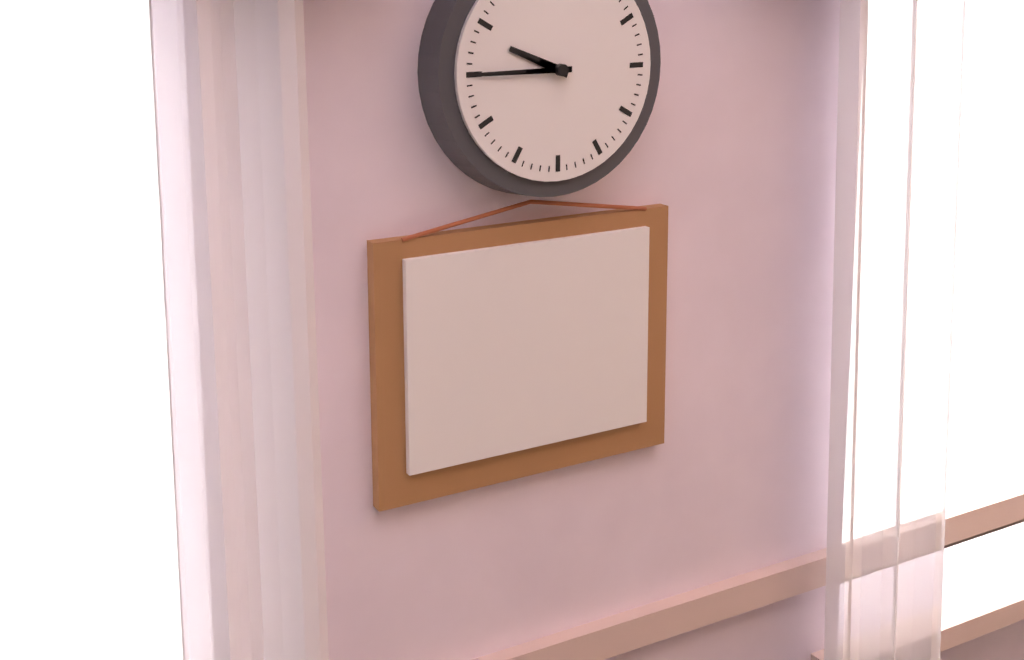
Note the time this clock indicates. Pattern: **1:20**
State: **9:45**
